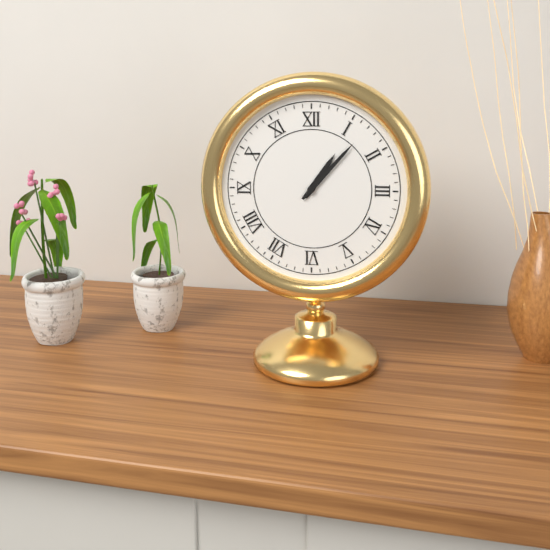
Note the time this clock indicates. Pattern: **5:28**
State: **1:07**
